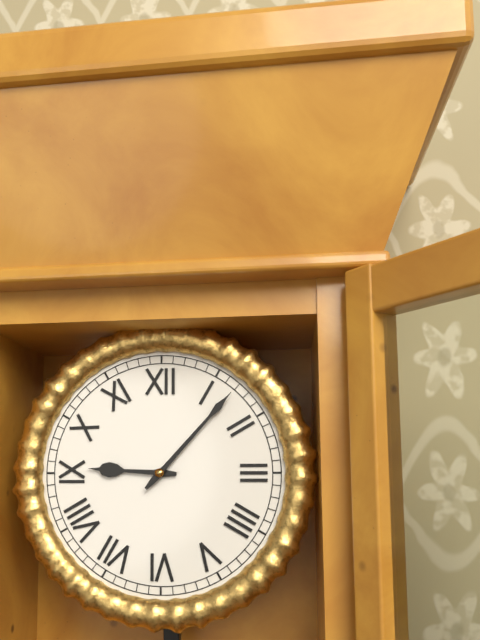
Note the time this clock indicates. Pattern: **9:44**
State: **9:07**
